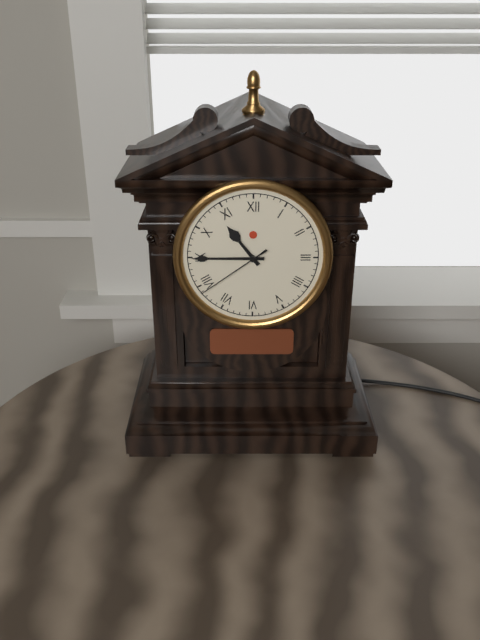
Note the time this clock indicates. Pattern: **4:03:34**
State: **10:45:39**
